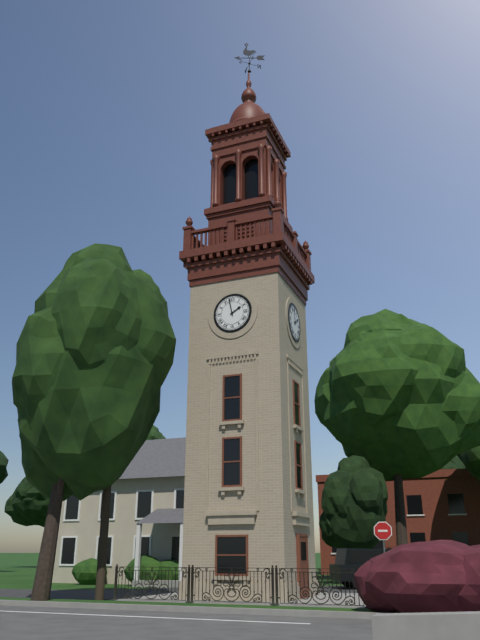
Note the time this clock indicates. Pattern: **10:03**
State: **1:58**
